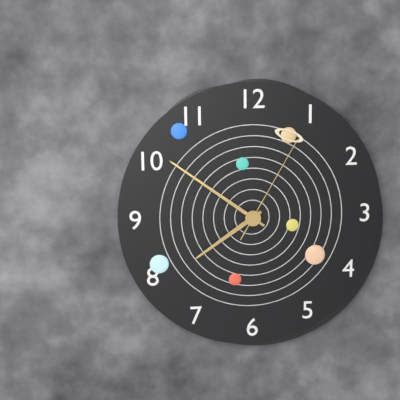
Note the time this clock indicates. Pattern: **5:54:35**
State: **7:51:05**
